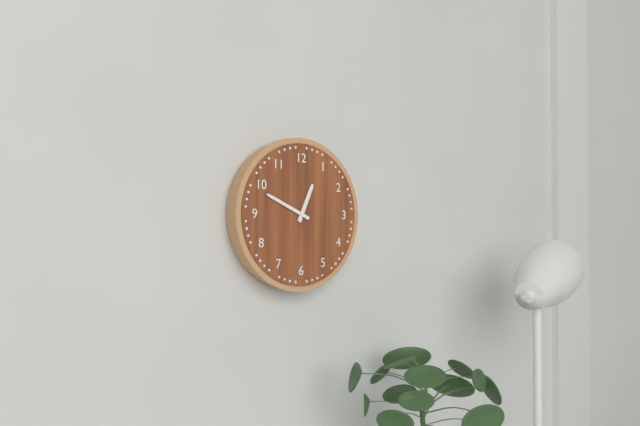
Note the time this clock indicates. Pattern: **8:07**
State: **12:49**
